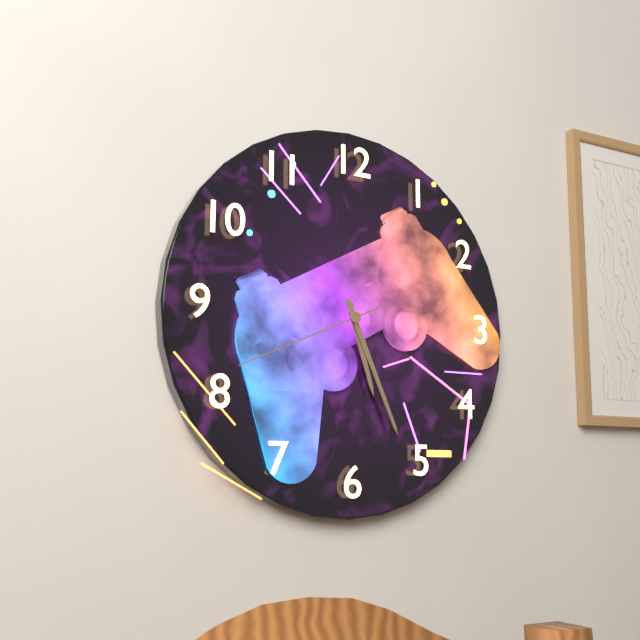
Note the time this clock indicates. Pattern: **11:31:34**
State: **5:26:41**
